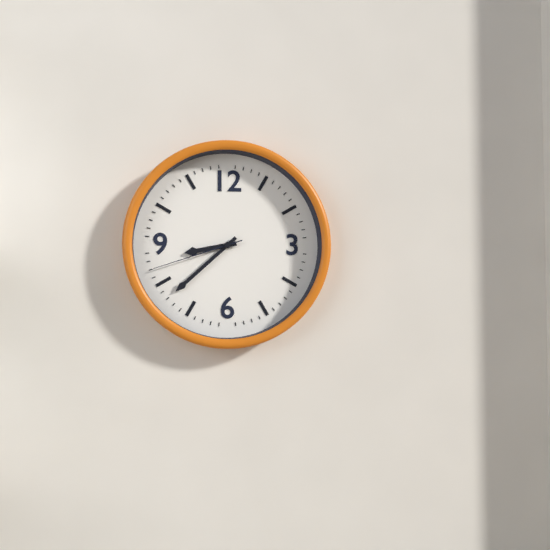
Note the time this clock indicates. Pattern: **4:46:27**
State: **8:38:42**
